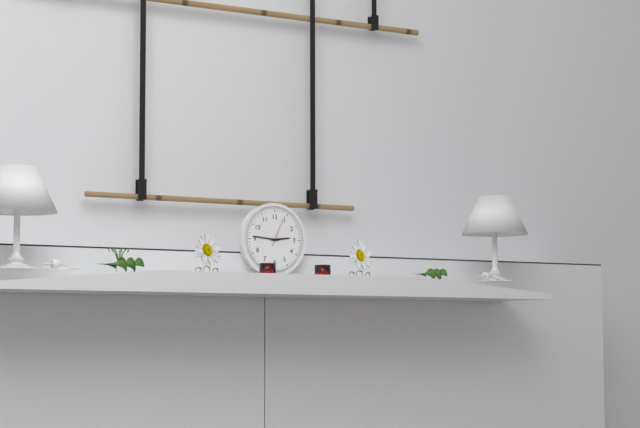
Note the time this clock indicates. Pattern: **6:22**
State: **2:46**
